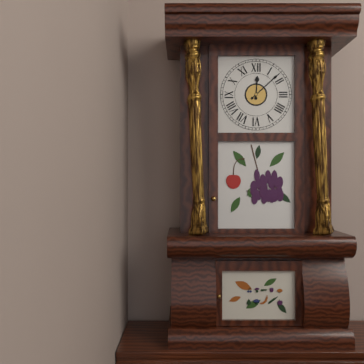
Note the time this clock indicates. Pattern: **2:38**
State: **12:08**
